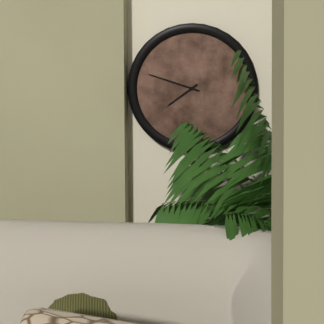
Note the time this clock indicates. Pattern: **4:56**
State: **7:48**
